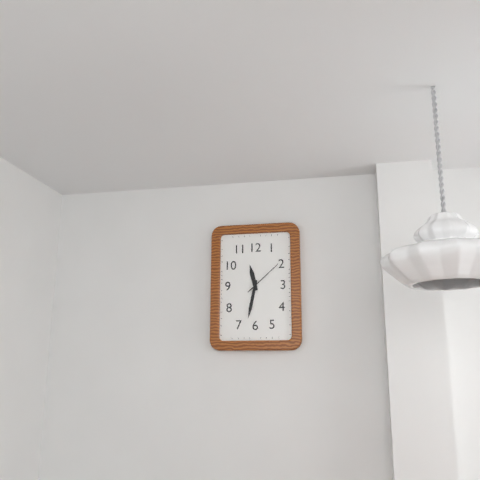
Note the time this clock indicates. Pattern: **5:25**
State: **11:32**
